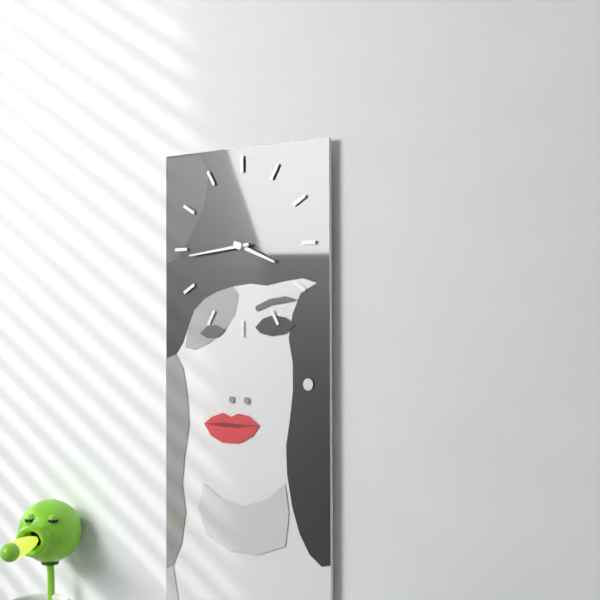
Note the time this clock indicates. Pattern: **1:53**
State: **3:44**
